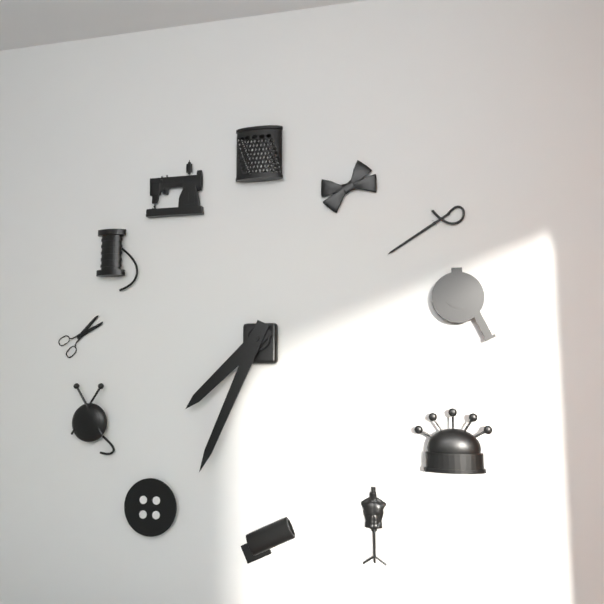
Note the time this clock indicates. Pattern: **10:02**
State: **7:34**
